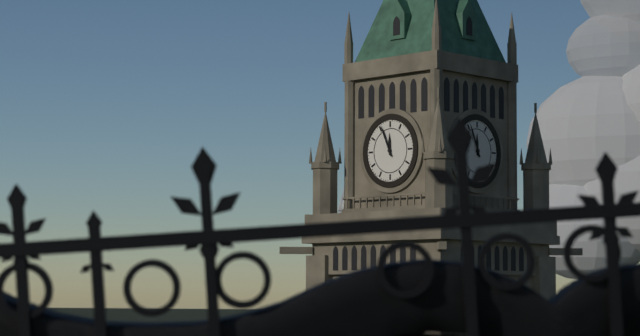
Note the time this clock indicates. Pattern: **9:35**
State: **11:56**
